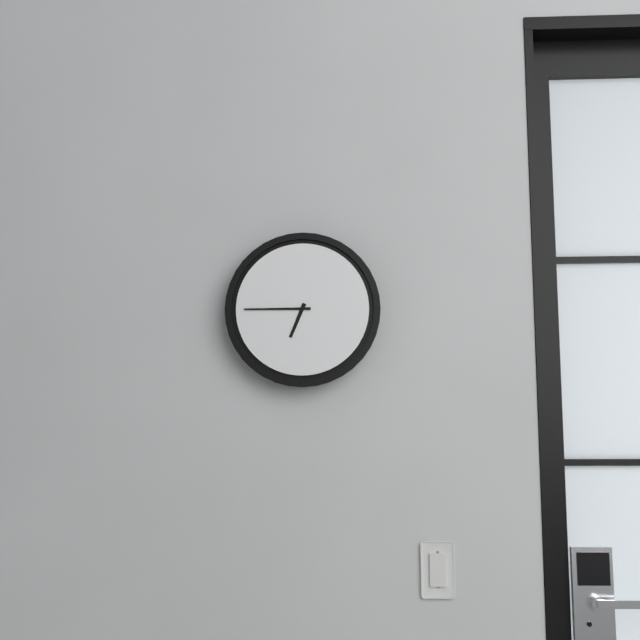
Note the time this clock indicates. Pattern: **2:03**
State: **6:45**
